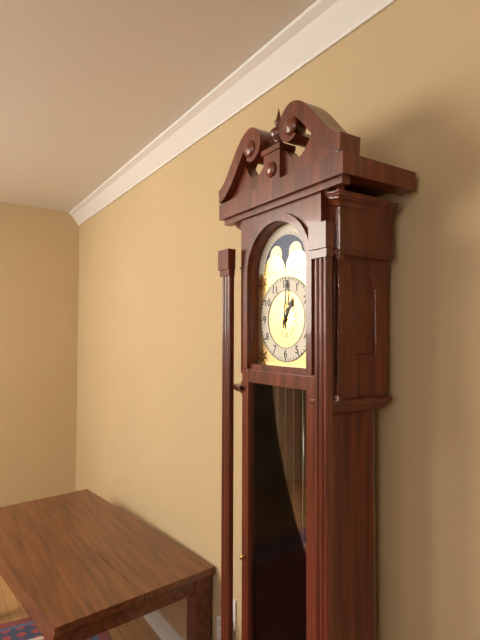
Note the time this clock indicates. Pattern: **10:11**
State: **1:01**
